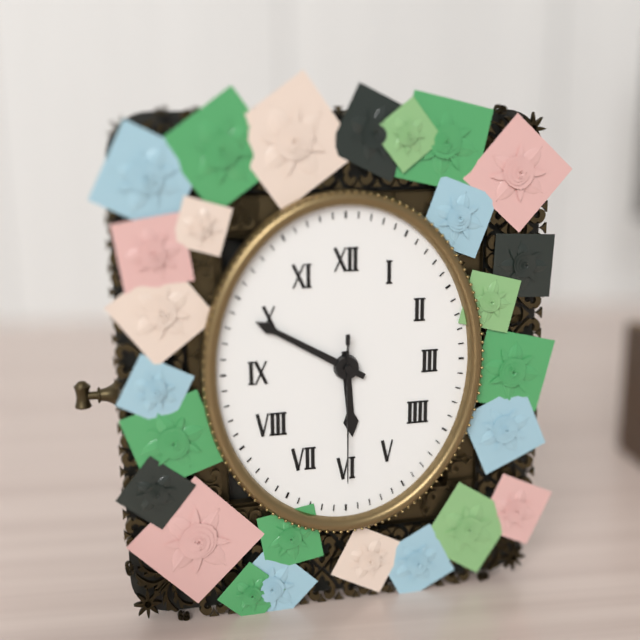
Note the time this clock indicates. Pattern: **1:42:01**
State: **5:50:30**
